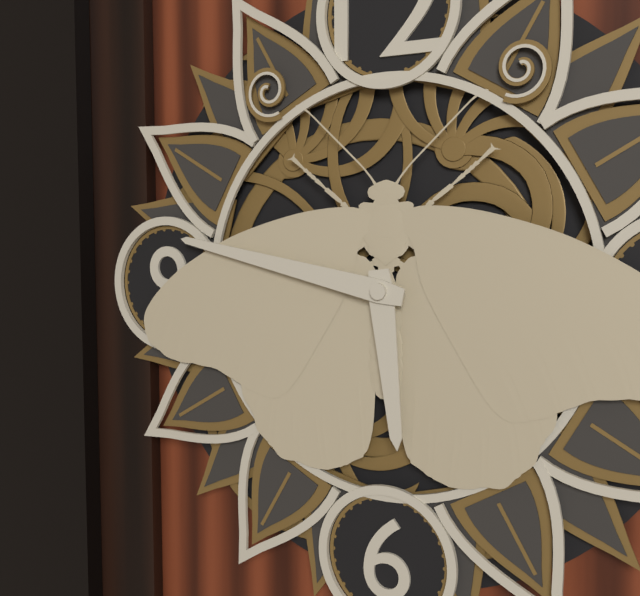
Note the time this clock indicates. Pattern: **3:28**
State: **5:47**
